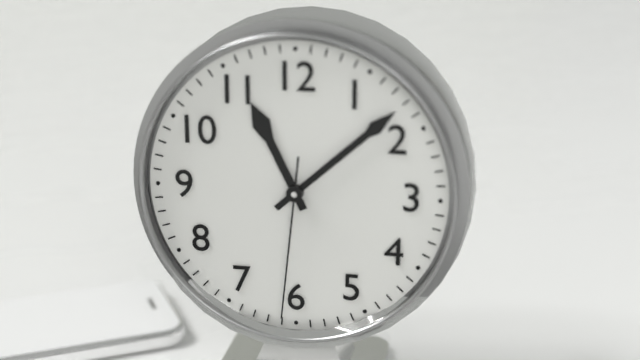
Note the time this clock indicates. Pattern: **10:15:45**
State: **11:08:31**
